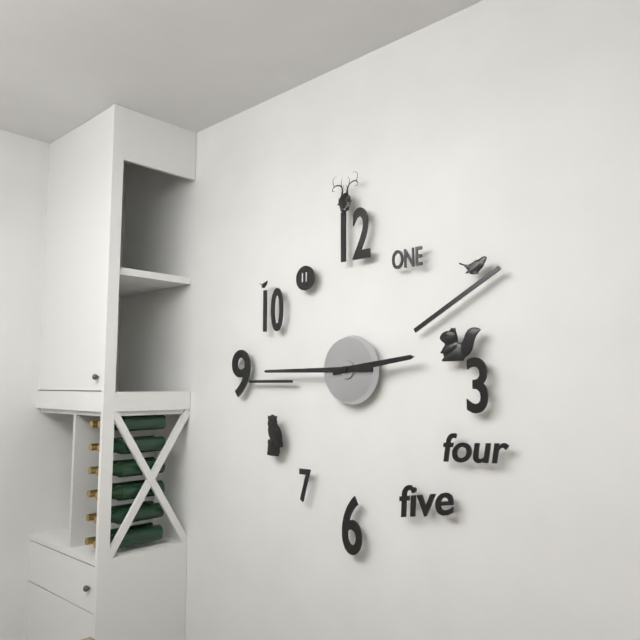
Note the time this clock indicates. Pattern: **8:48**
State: **2:45**
